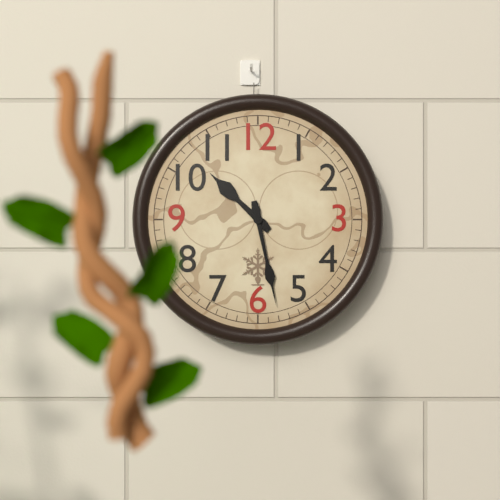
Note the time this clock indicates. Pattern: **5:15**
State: **10:28**
